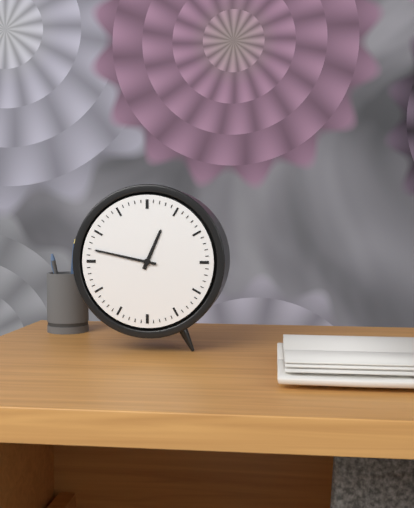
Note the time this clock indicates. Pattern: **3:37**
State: **12:47**
